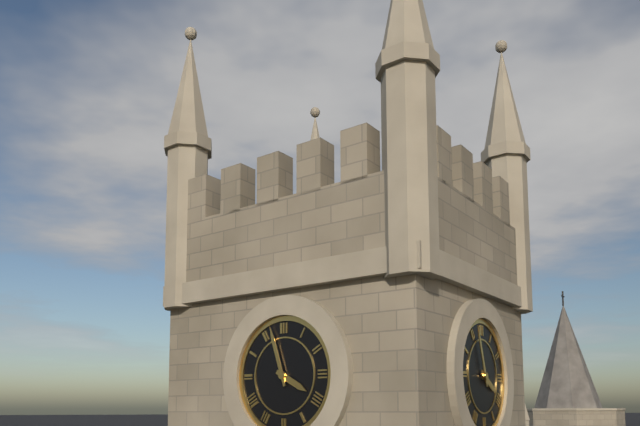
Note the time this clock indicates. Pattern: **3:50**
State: **3:57**
